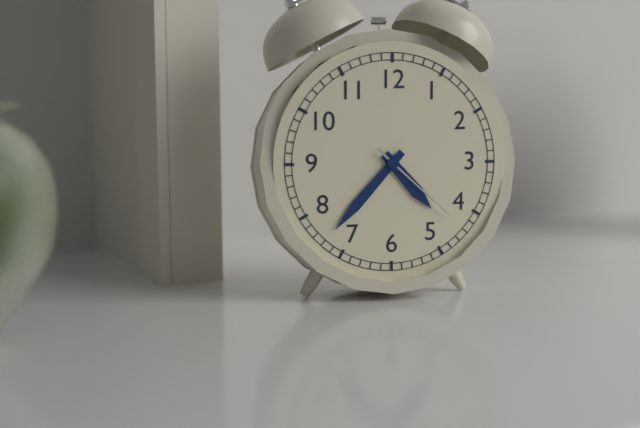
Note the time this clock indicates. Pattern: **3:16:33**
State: **4:37:22**
